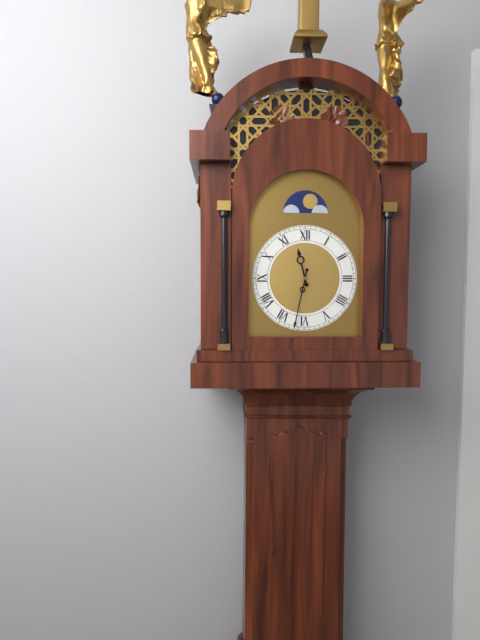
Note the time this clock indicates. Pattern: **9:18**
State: **11:32**
